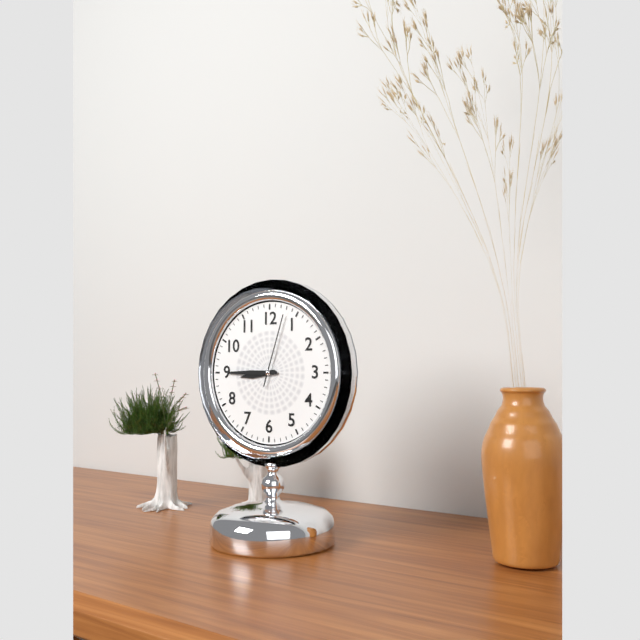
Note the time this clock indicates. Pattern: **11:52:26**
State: **8:45:03**
